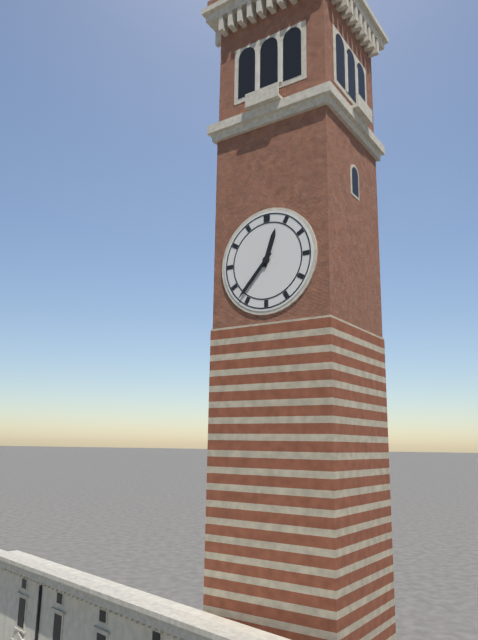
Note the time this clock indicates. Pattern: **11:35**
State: **12:37**
